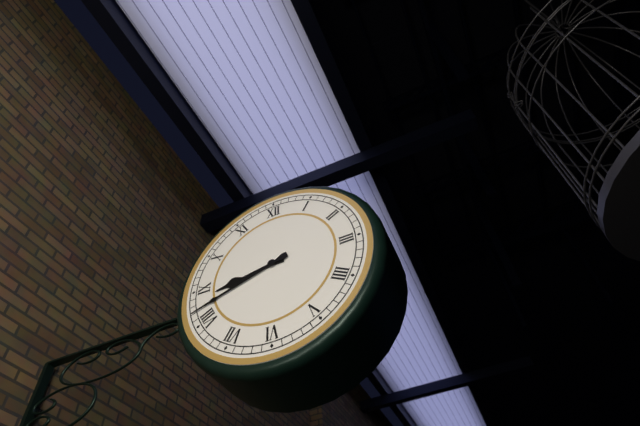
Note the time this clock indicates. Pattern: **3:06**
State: **8:42**
